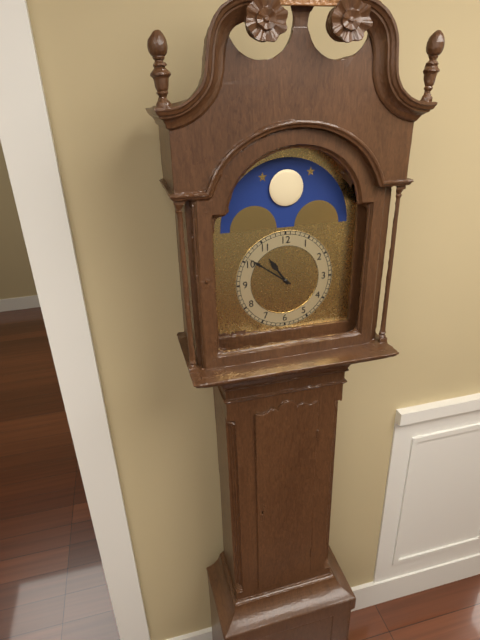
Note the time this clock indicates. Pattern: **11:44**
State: **10:51**
